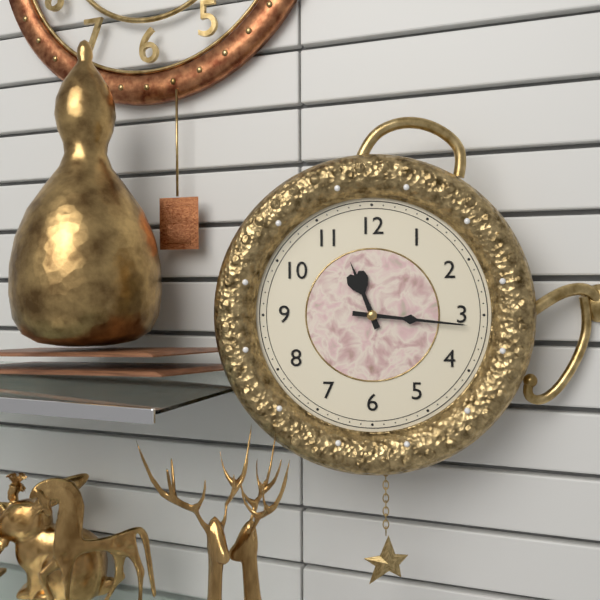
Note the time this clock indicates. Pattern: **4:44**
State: **11:16**
